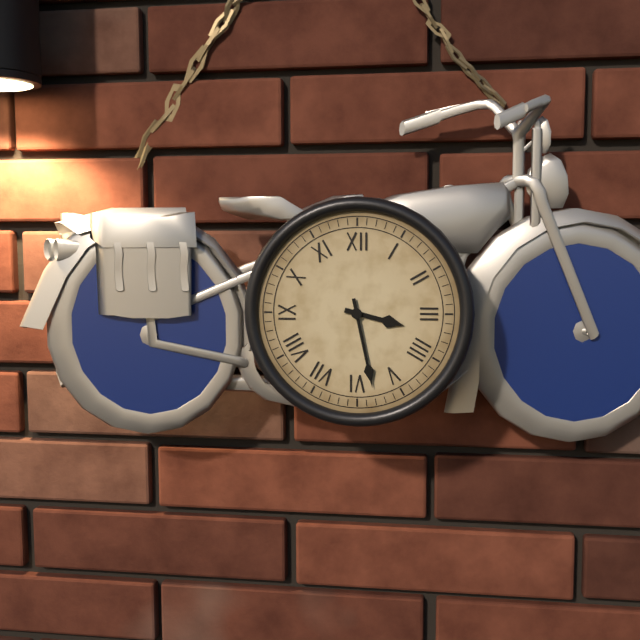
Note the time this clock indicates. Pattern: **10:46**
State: **3:28**
